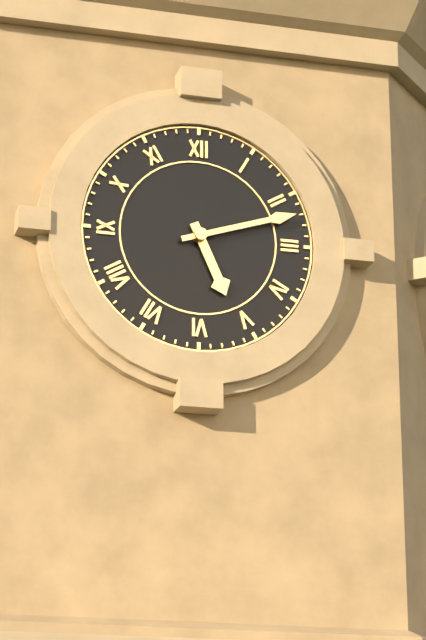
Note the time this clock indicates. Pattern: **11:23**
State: **5:12**
